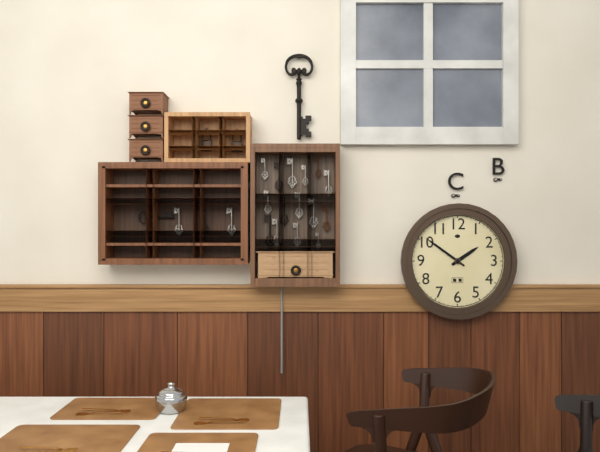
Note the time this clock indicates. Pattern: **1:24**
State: **1:51**
